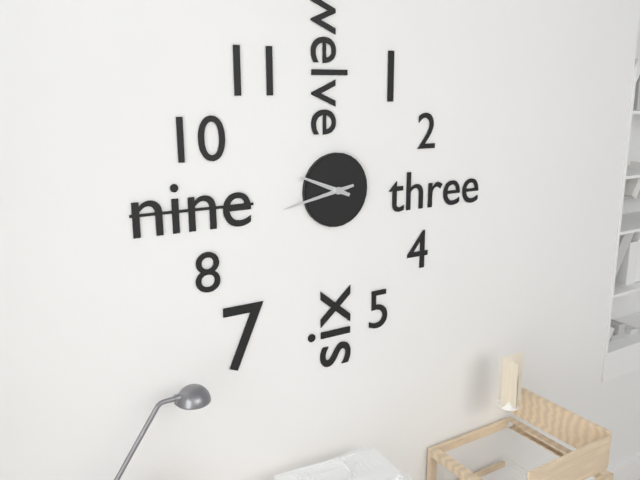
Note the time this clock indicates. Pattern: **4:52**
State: **9:43**
